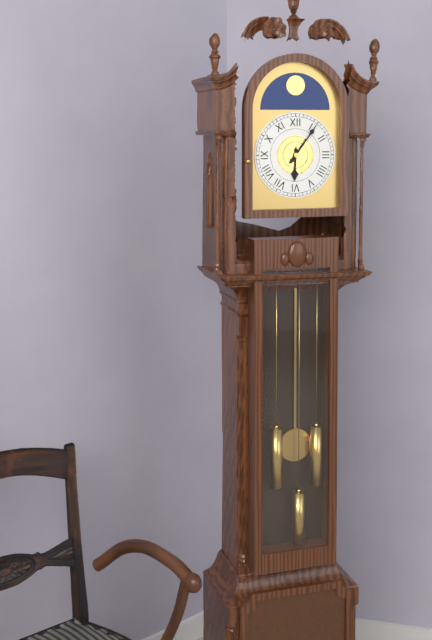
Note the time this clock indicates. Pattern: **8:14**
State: **6:06**
